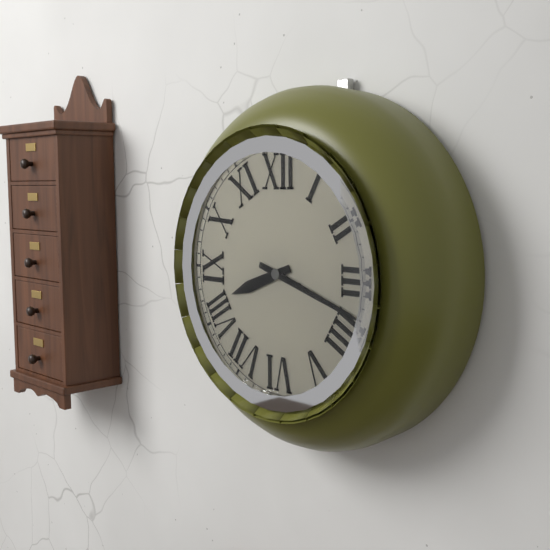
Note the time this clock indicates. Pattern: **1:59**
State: **8:18**
